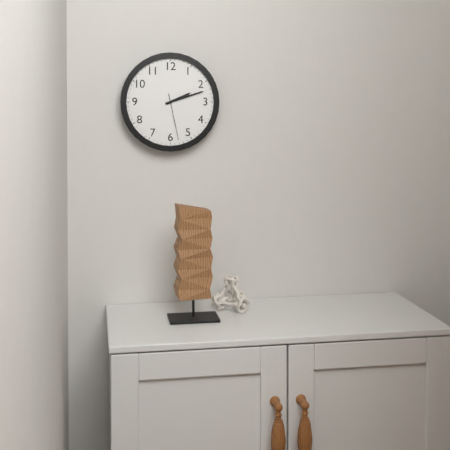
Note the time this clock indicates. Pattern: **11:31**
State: **2:12**
